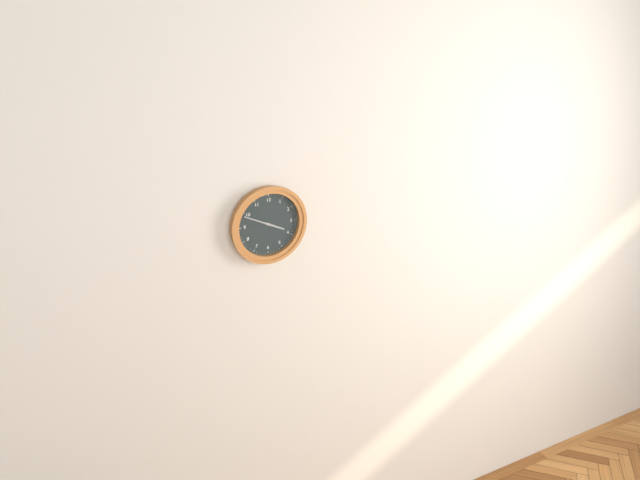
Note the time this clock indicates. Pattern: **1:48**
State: **3:49**
